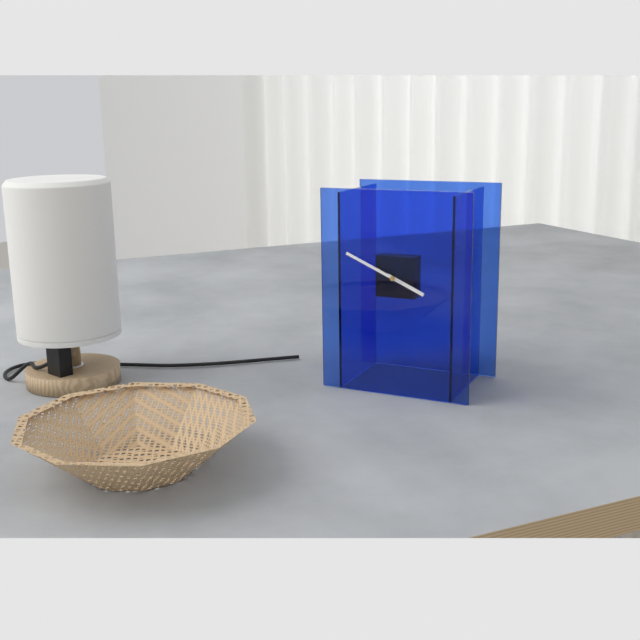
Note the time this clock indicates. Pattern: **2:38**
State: **3:49**
